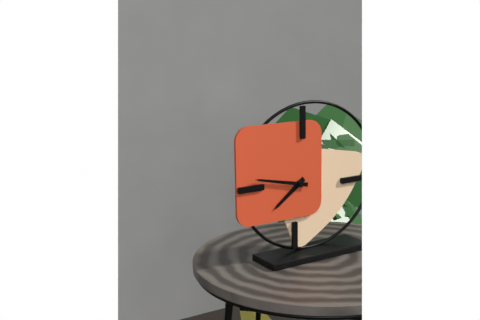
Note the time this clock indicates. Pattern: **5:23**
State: **7:47**
